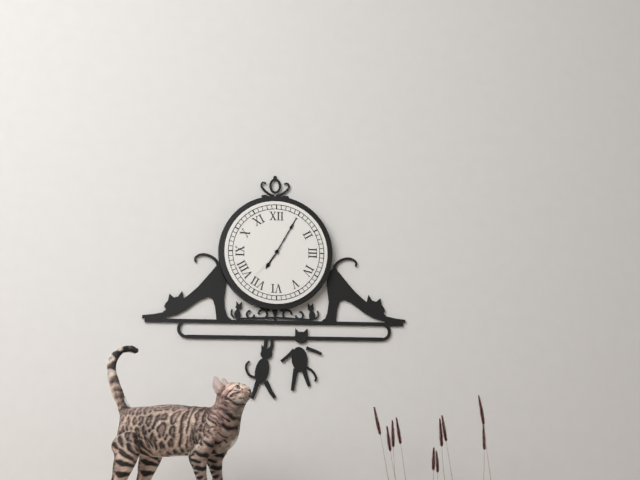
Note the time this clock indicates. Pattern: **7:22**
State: **7:05**
